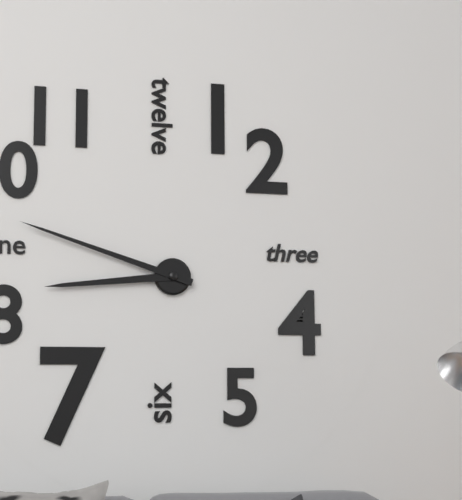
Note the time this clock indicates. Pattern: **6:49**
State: **8:48**
